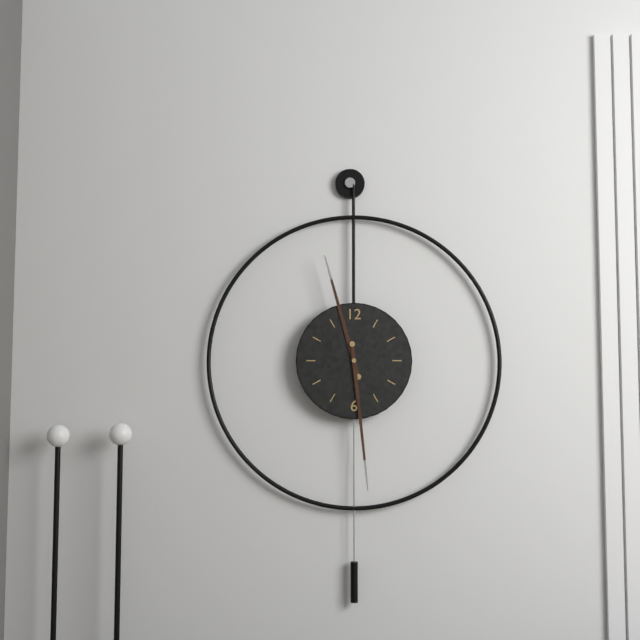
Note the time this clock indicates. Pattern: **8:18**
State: **11:29**
